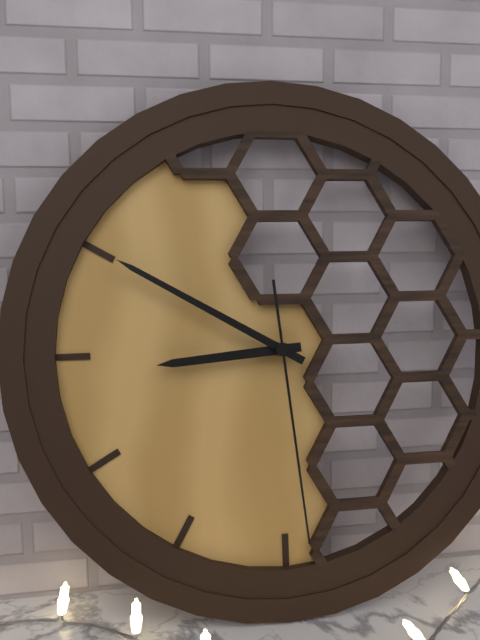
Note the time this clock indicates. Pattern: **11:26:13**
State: **8:50:29**
